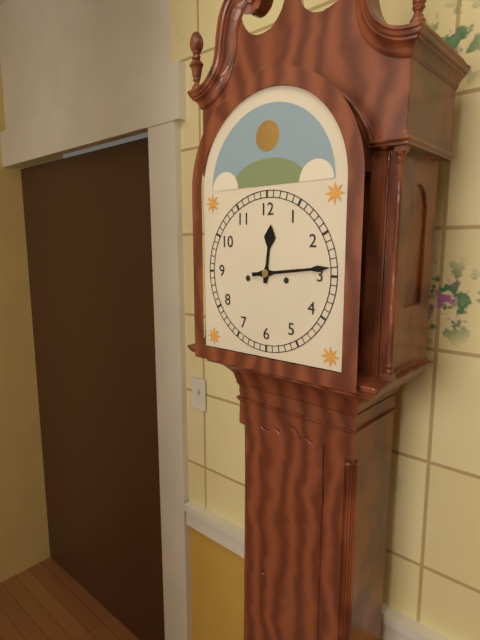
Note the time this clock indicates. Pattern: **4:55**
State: **12:14**
